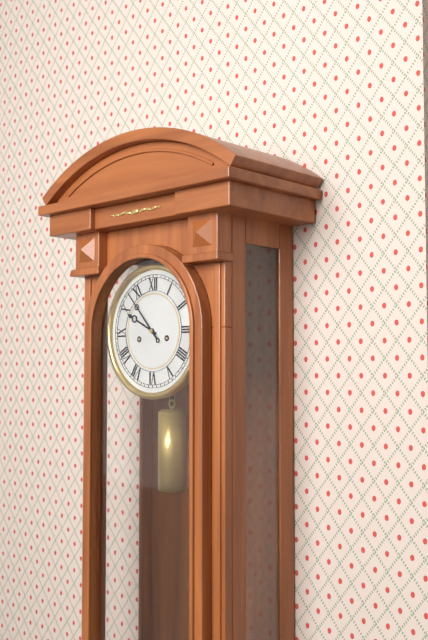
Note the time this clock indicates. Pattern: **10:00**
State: **9:53**
